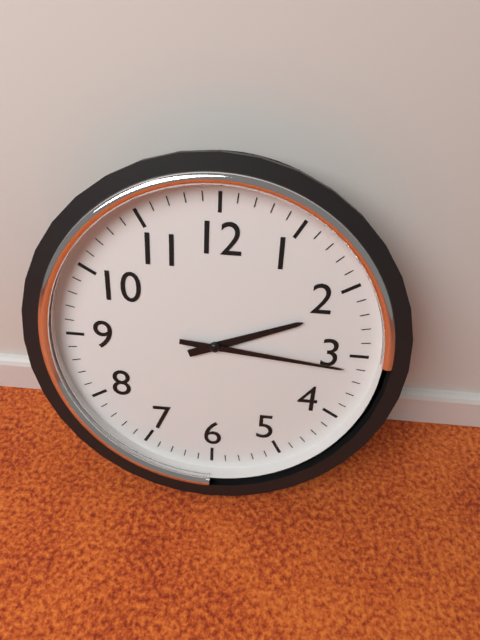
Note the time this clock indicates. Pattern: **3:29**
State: **2:16**
